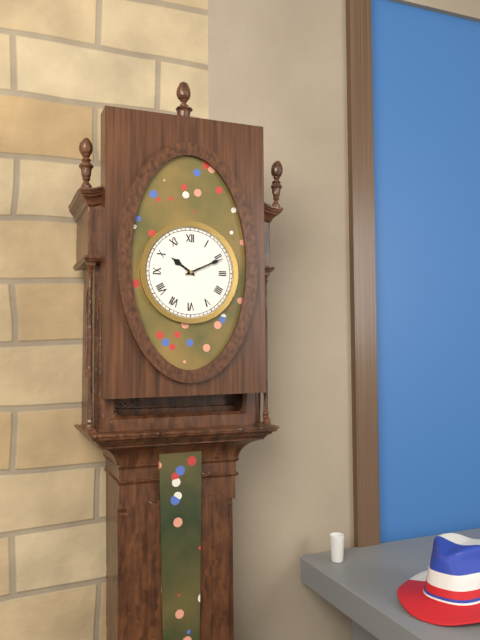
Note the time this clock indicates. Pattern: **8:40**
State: **10:11**
